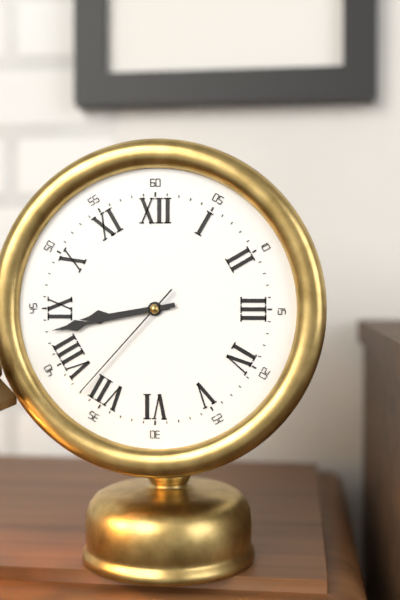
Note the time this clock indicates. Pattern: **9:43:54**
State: **8:43:37**
